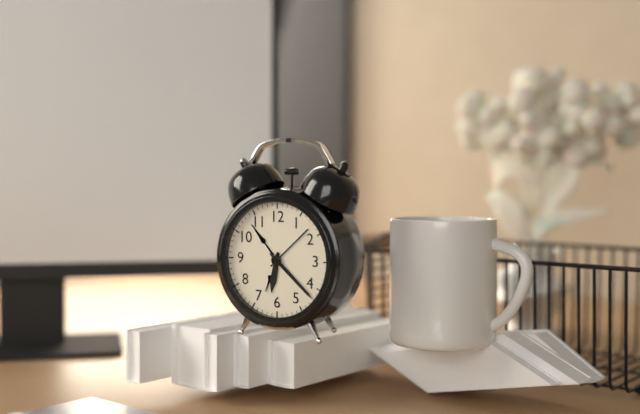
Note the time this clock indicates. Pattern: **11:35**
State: **6:22**
